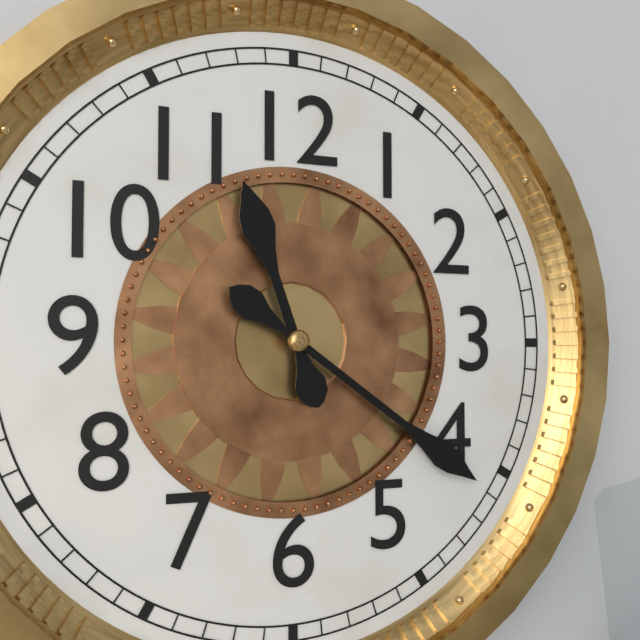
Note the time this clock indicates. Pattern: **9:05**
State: **11:21**
